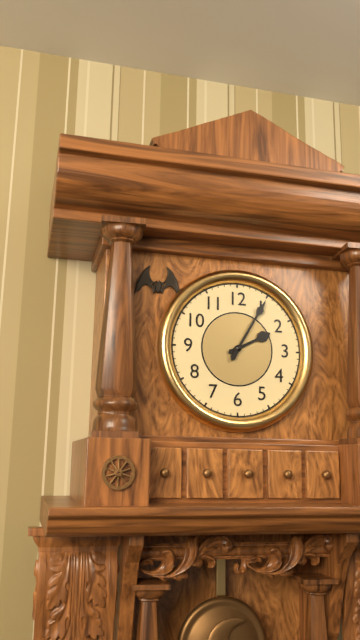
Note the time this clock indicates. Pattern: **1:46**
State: **2:05**
